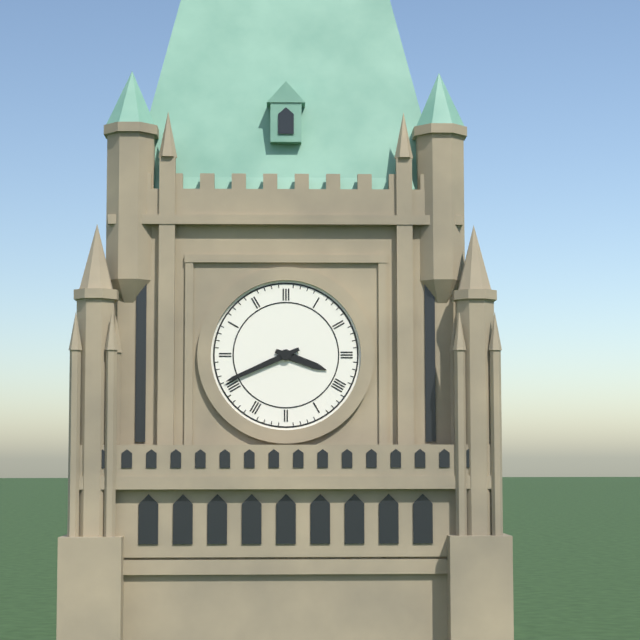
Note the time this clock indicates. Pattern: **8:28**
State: **3:41**
